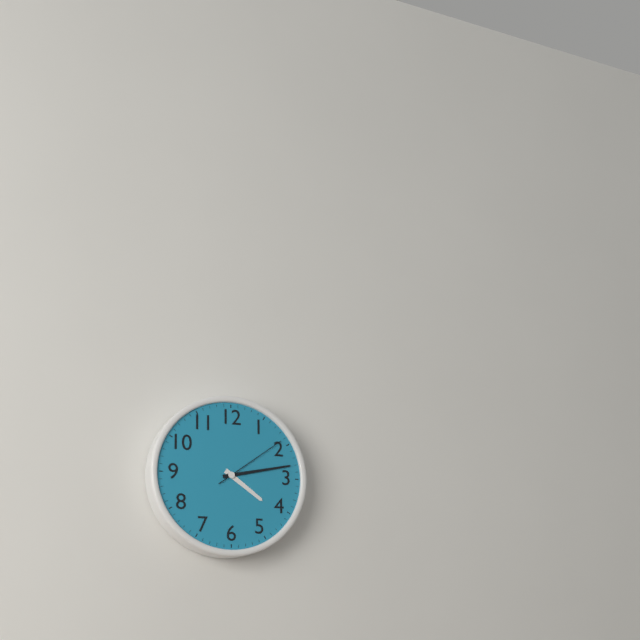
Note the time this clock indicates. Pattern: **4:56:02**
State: **4:13:09**
